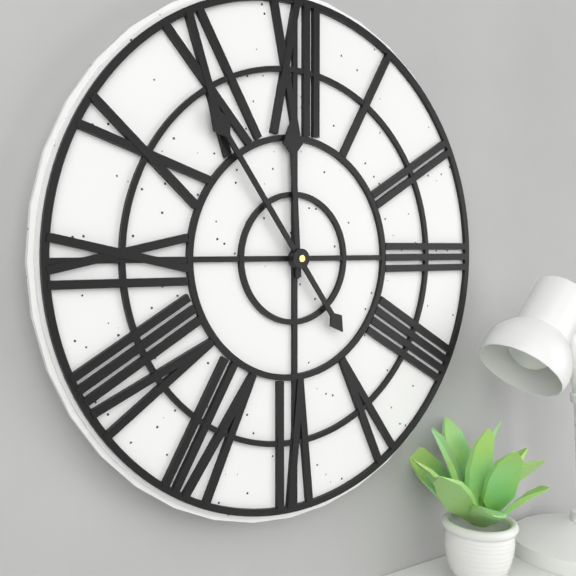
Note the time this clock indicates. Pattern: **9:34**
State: **11:54**
